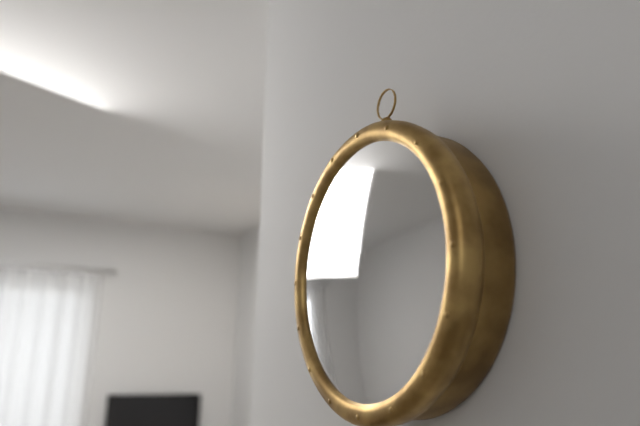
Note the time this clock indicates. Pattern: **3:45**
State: **2:46**
